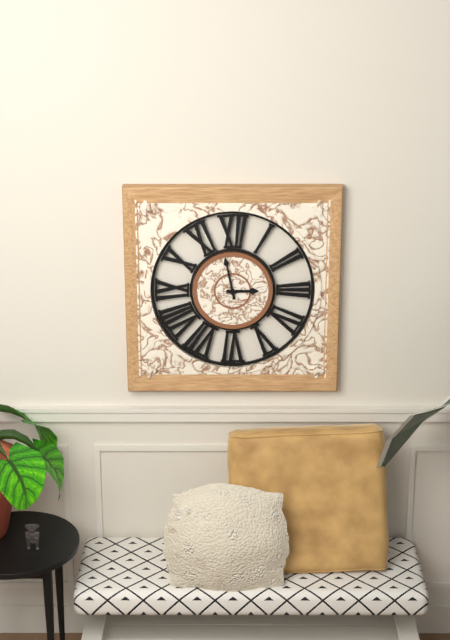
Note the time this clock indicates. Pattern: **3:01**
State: **2:58**
